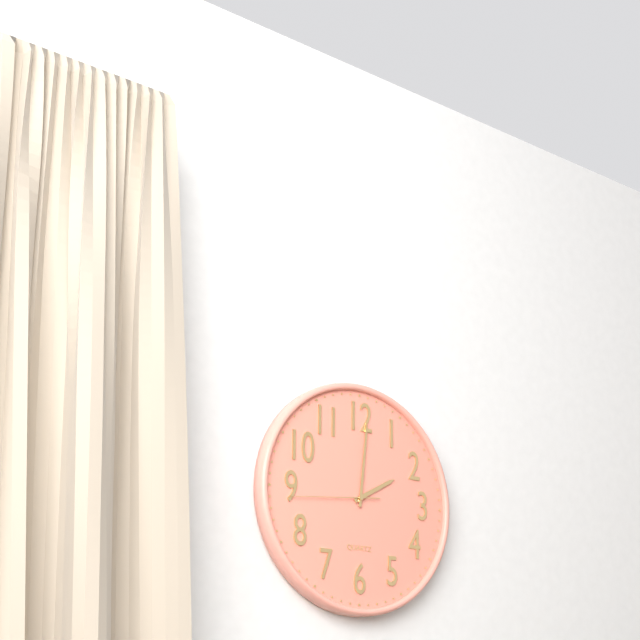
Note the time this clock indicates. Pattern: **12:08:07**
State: **2:01:44**
